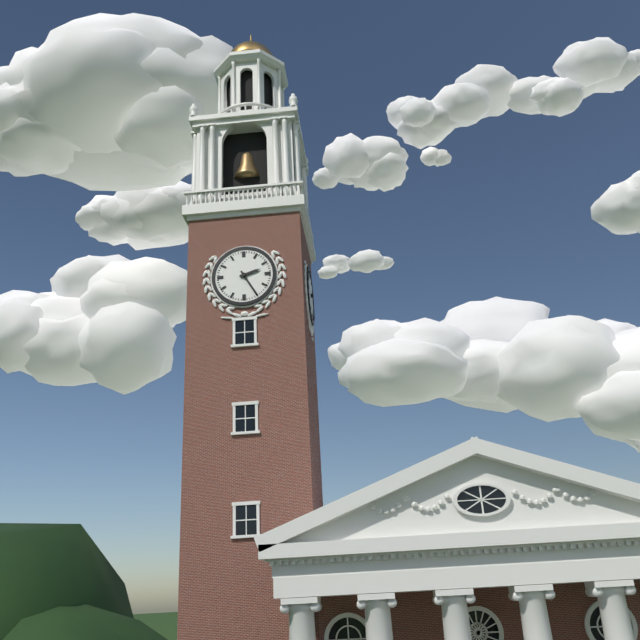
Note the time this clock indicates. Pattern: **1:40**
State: **2:25**
